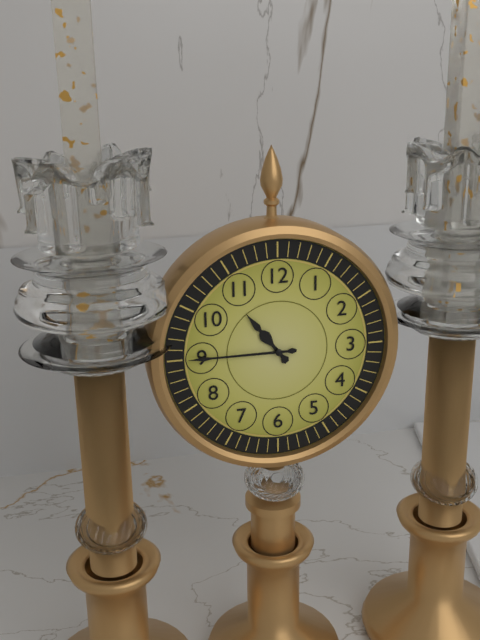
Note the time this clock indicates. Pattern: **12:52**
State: **10:45**
